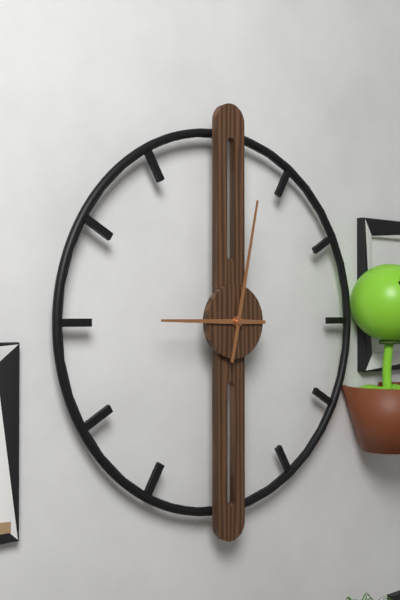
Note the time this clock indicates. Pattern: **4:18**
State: **9:02**
